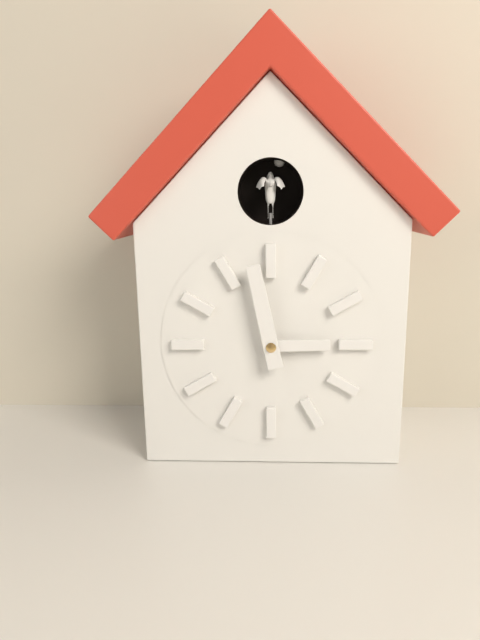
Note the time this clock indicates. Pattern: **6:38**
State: **2:58**
